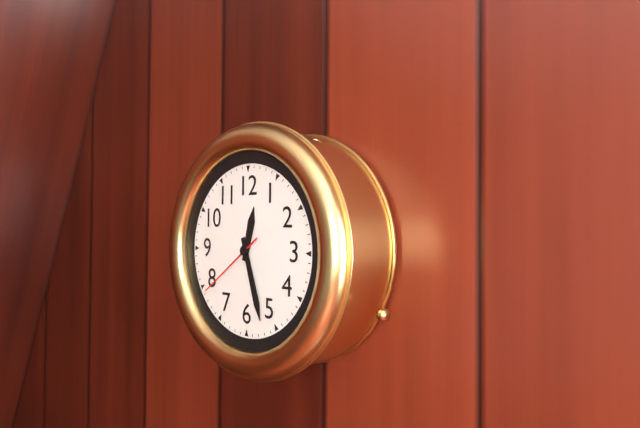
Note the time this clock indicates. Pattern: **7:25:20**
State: **12:27:39**
